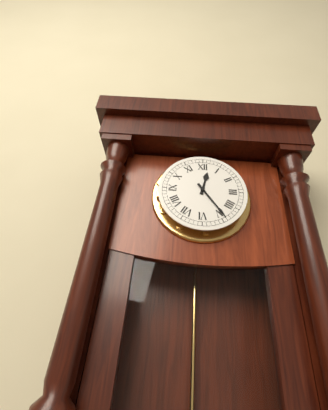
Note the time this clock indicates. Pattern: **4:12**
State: **12:24**
